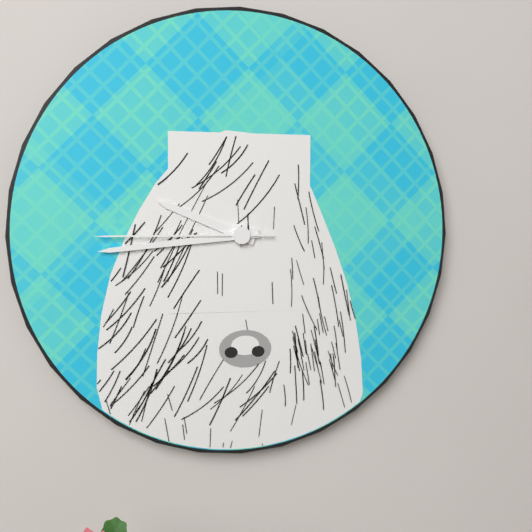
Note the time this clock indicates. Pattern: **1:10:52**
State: **9:44:45**
